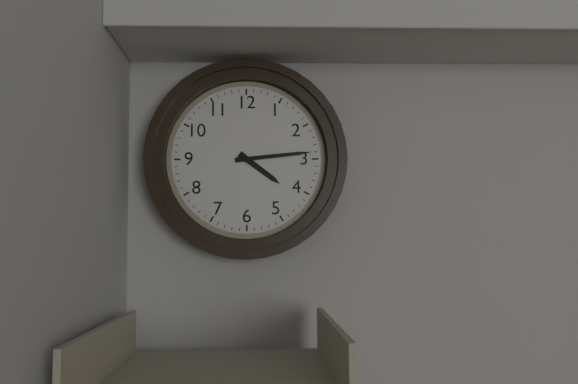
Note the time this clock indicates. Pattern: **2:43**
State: **4:14**
